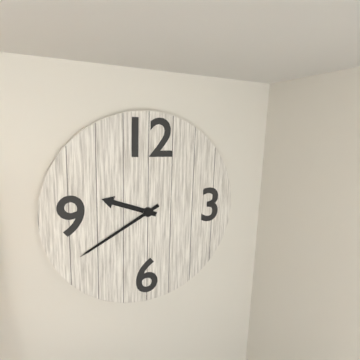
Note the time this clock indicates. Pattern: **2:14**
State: **9:40**
